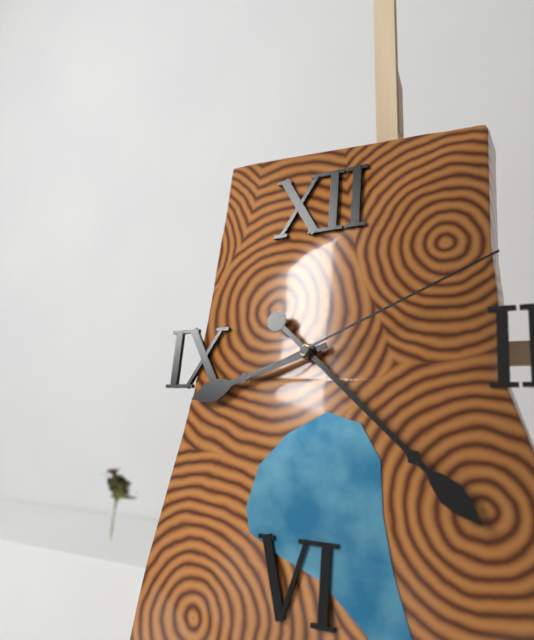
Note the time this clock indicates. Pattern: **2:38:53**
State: **8:22:11**
